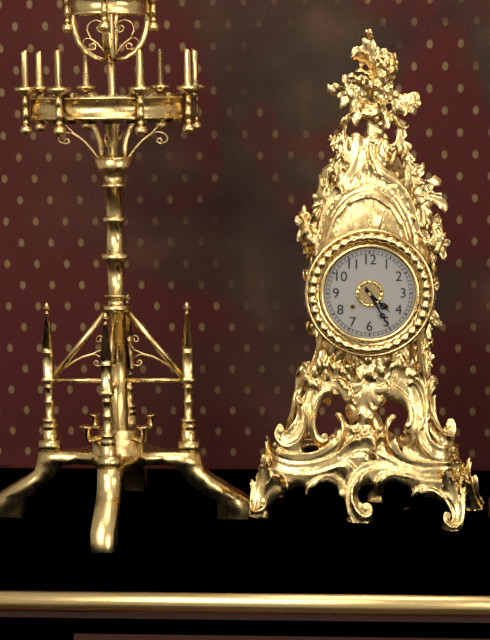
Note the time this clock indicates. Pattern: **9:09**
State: **4:25**
